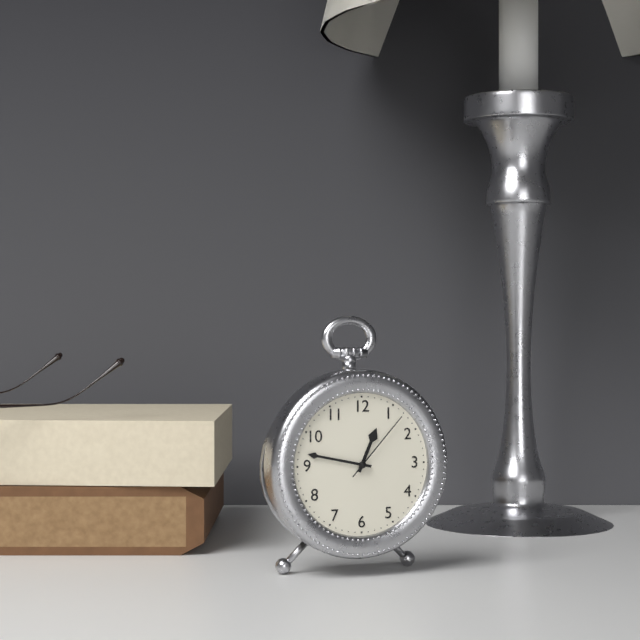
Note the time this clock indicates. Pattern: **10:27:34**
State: **12:47:07**
